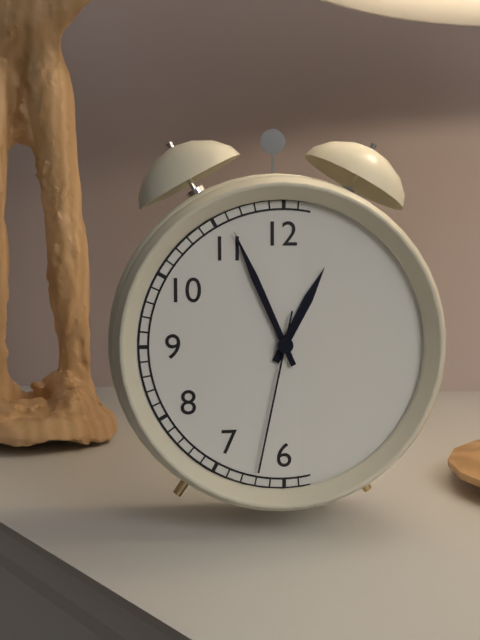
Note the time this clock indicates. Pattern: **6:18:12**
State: **12:56:32**
